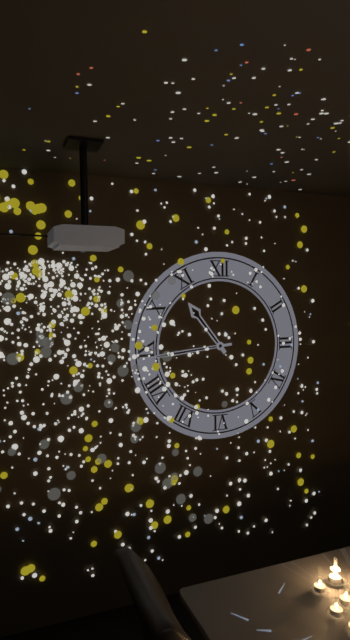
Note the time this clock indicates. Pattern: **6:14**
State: **10:44**
